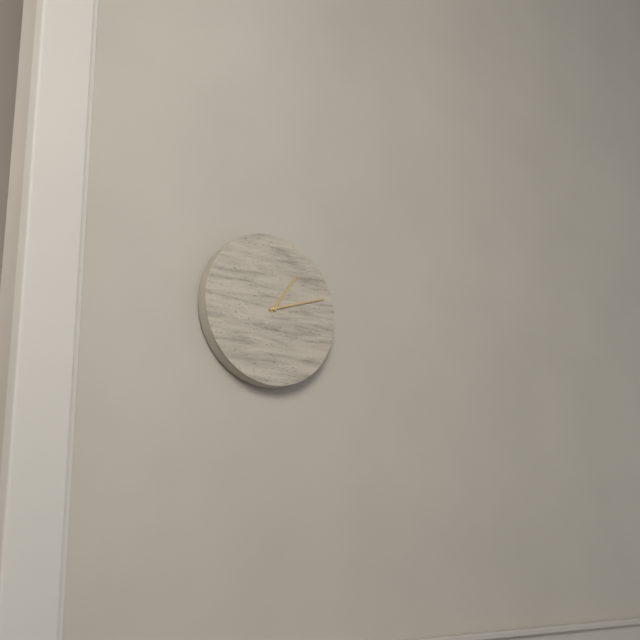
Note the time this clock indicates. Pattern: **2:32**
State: **1:12**
